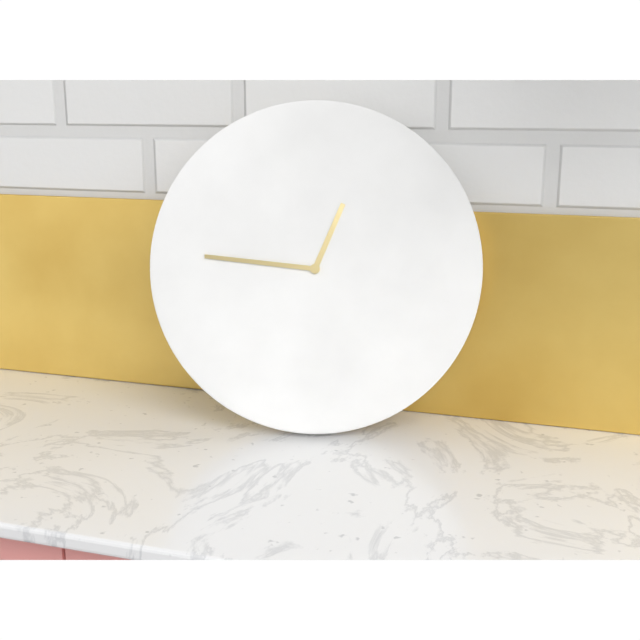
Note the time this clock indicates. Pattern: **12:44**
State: **12:46**
